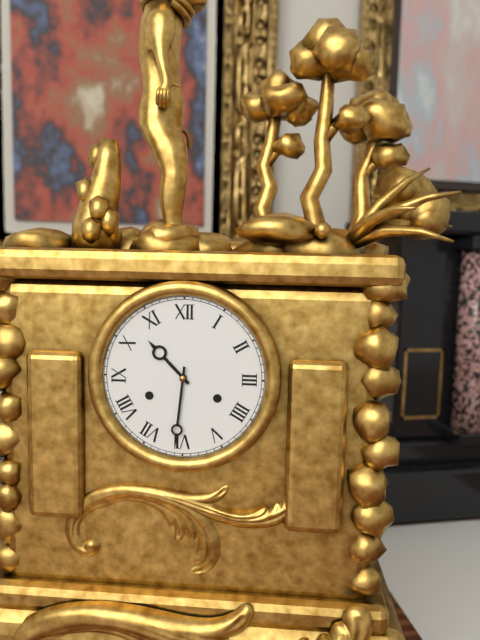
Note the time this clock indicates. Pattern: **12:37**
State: **10:31**
